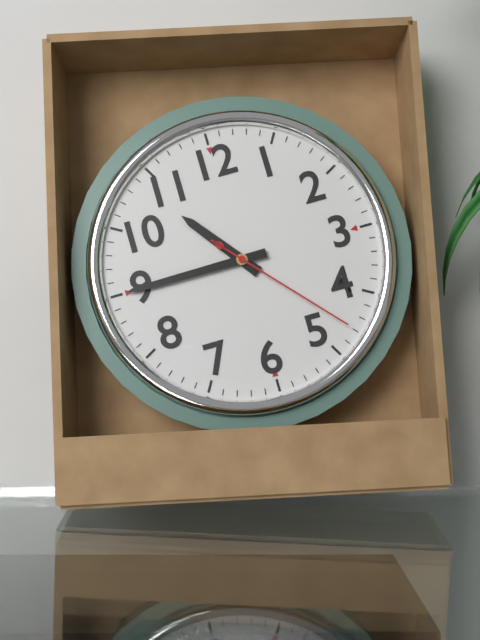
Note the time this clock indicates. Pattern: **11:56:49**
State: **10:45:23**
